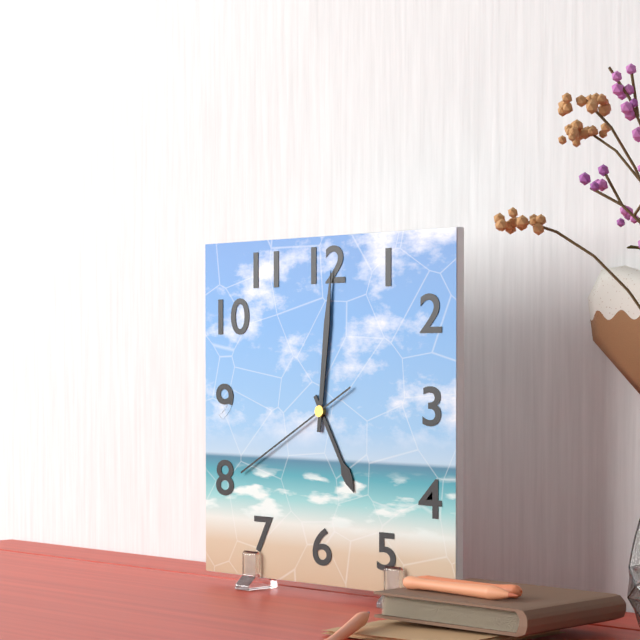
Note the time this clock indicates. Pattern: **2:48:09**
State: **5:01:40**
